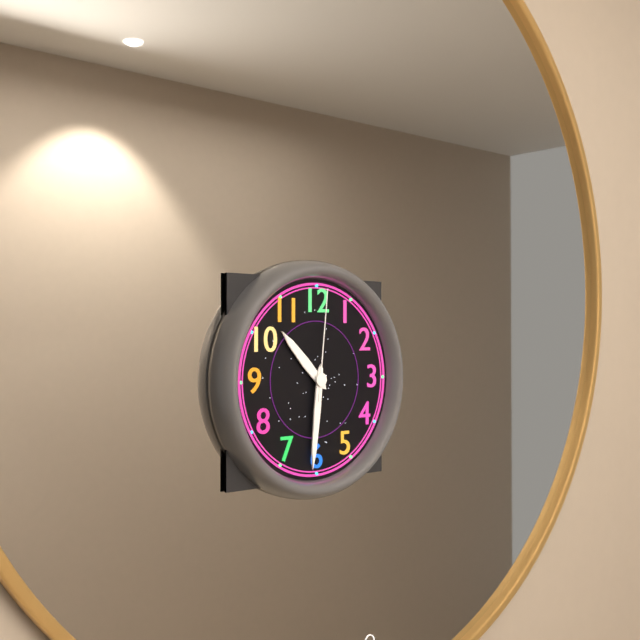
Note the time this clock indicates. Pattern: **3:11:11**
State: **10:31:01**
